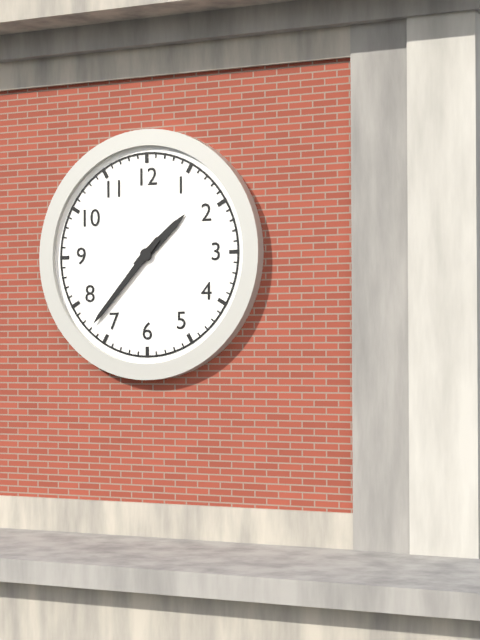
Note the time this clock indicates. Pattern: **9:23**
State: **1:37**
